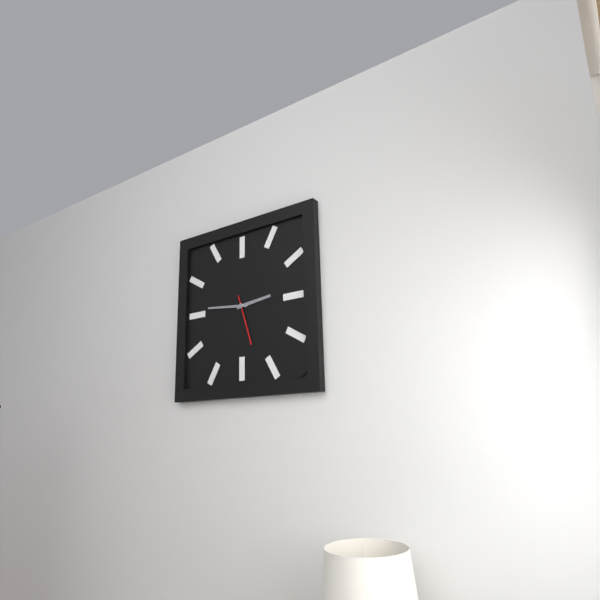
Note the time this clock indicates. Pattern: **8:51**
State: **2:46**
